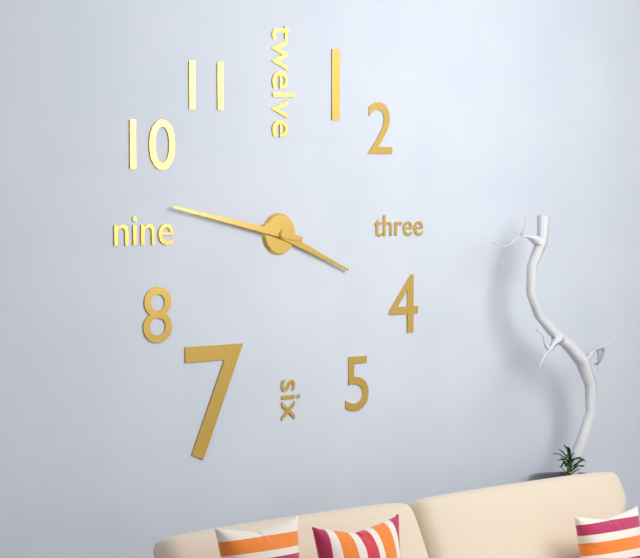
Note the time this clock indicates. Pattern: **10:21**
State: **3:47**
